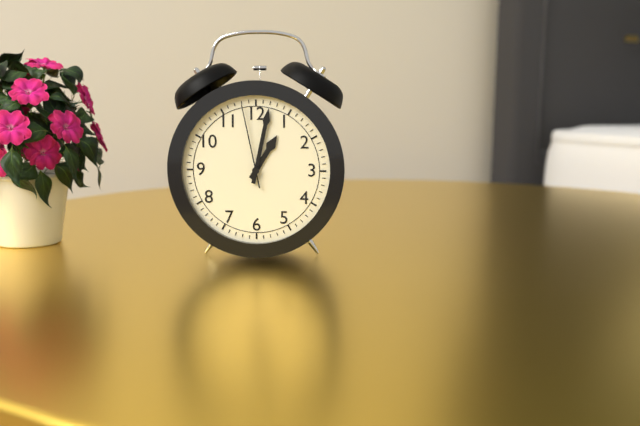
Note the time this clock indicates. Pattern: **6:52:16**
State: **1:02:58**
